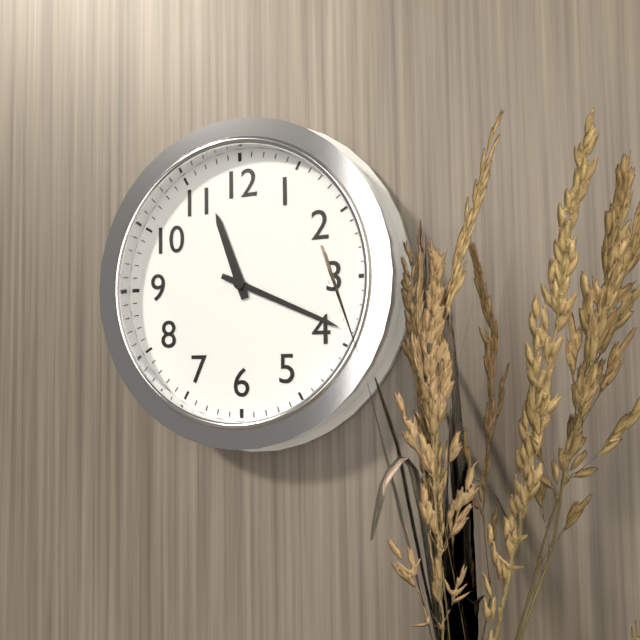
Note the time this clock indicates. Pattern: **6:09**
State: **11:19**
